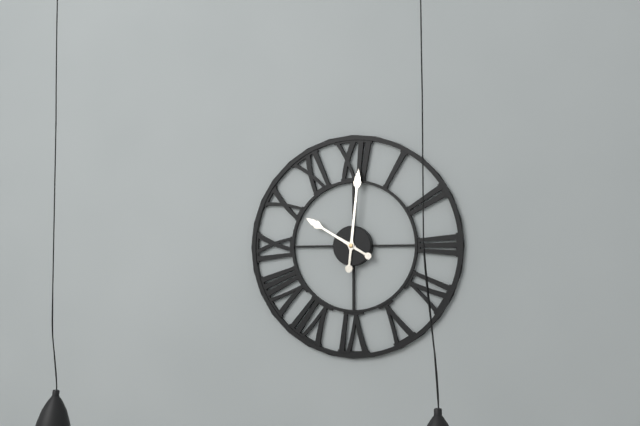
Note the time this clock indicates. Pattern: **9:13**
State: **10:01**
